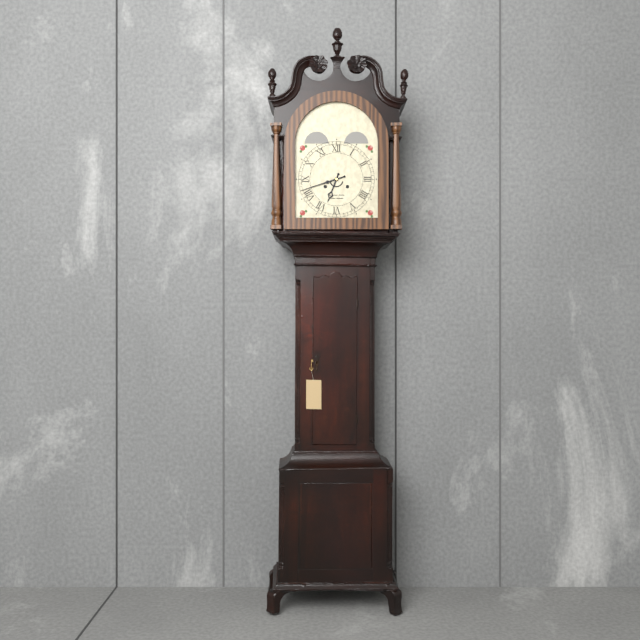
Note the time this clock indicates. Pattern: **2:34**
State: **6:42**
